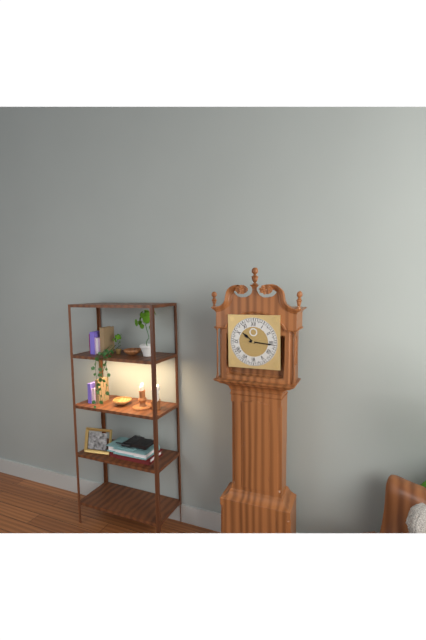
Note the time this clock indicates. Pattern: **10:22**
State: **10:16**
